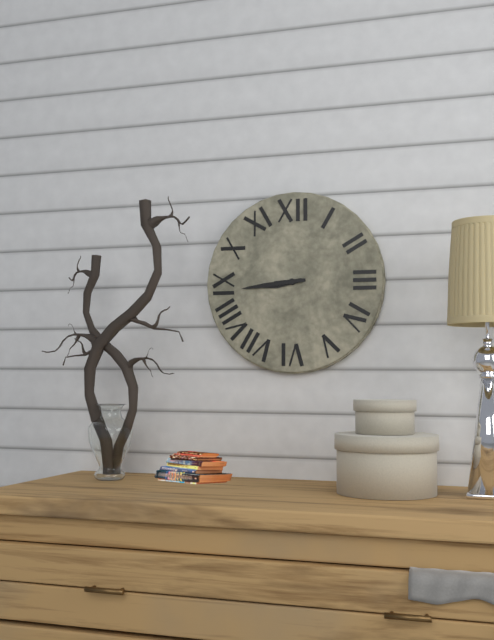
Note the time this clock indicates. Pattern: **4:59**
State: **8:44**
